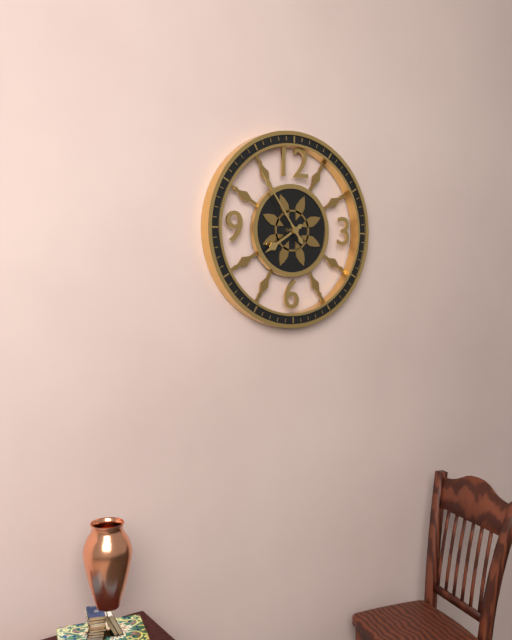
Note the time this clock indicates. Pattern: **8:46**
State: **7:54**
